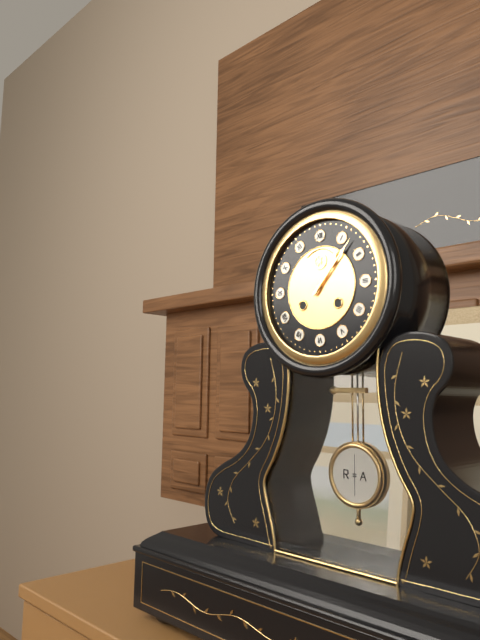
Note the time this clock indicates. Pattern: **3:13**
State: **1:07**
